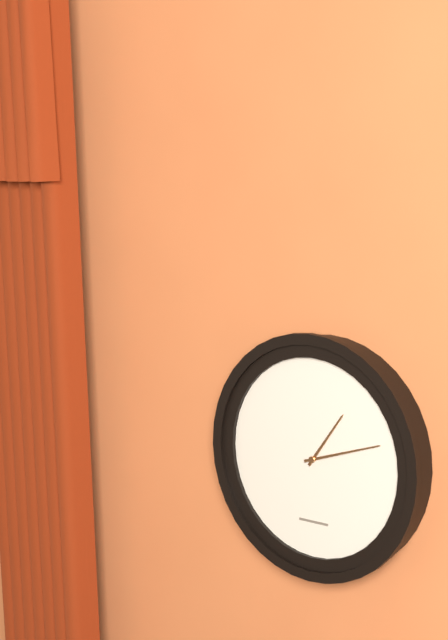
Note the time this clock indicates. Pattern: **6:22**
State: **1:12**
